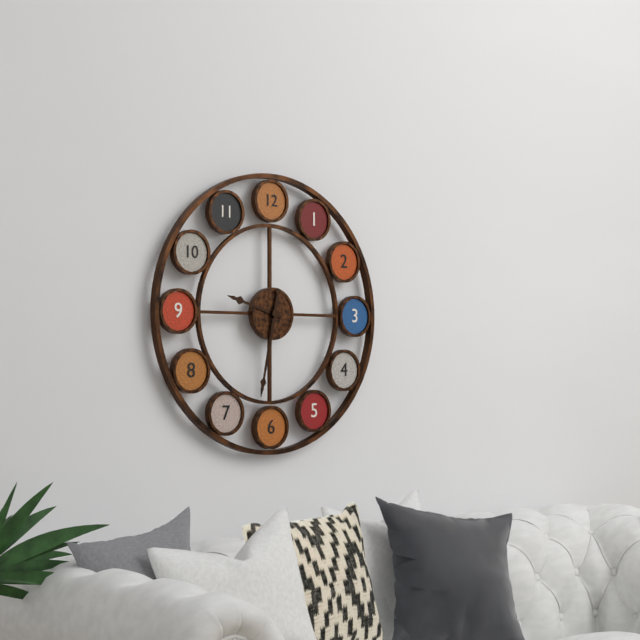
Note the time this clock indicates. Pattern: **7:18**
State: **9:32**
